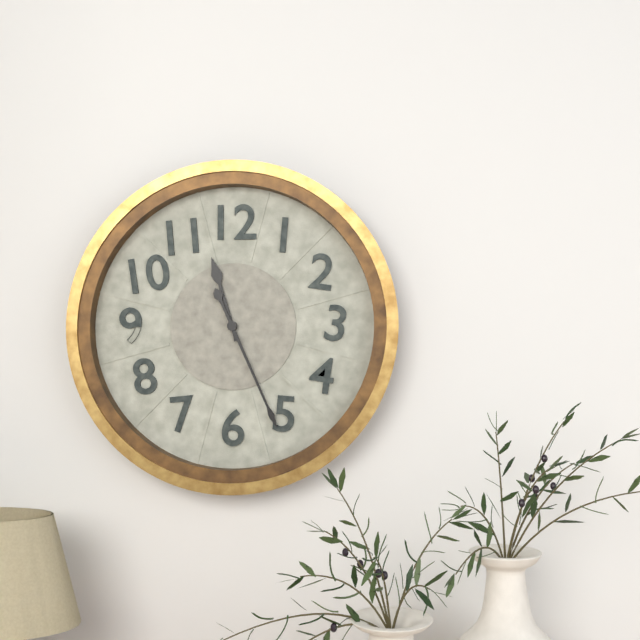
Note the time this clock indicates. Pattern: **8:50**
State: **11:26**
